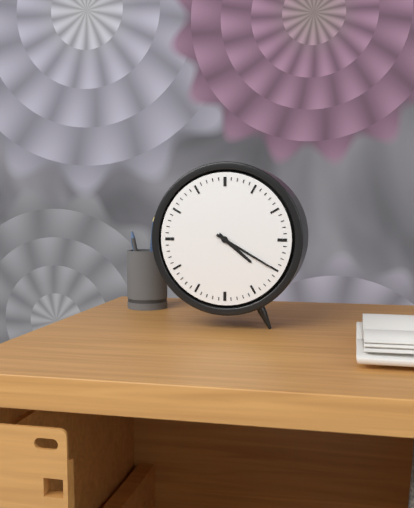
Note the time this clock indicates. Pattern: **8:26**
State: **4:20**
